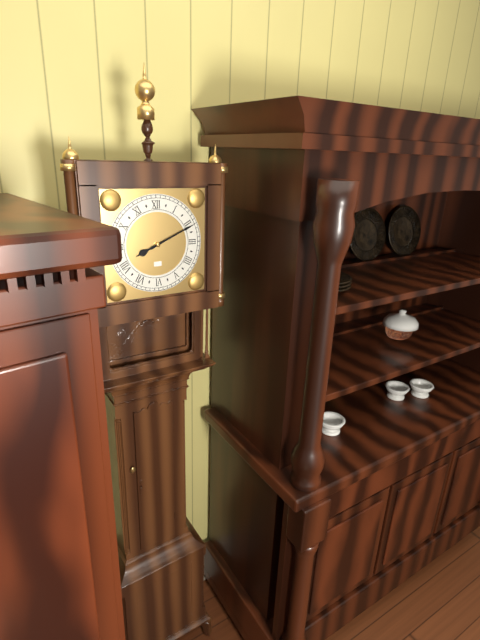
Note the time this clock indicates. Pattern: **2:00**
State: **8:11**
